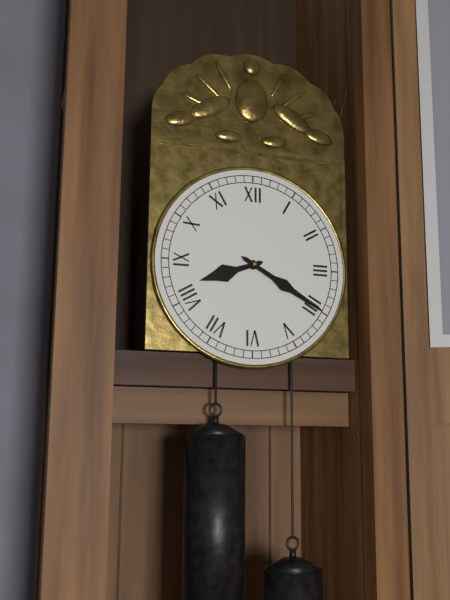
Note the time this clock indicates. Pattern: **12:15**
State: **8:20**
